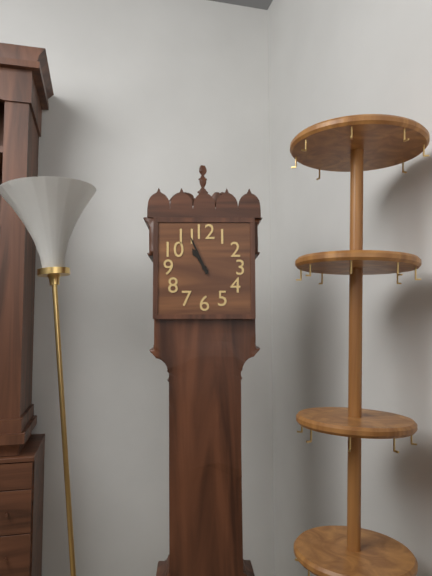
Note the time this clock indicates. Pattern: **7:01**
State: **10:56**
